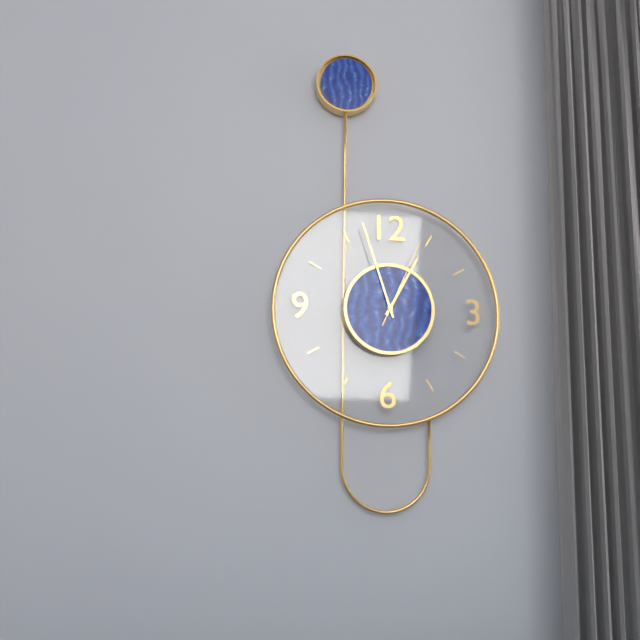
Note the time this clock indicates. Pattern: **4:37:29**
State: **12:57:04**
